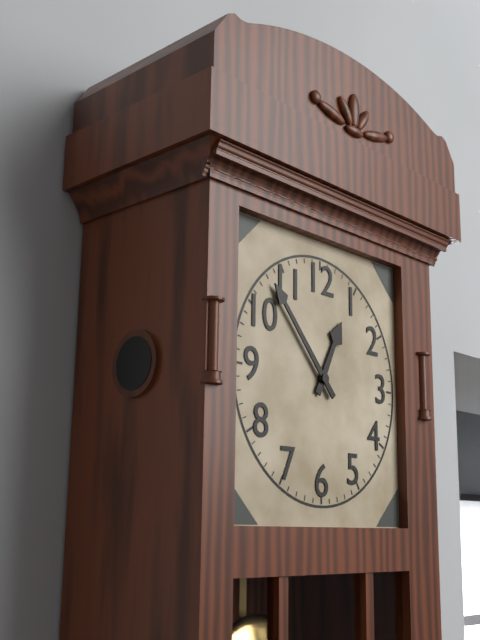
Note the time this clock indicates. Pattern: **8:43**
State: **12:53**
